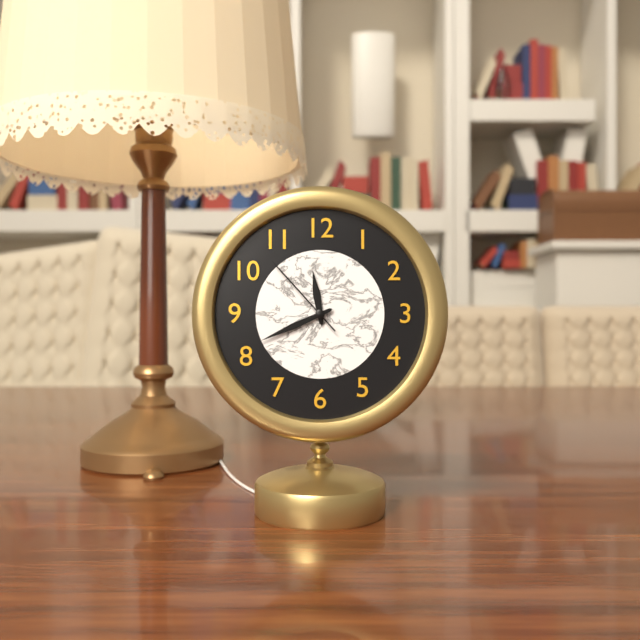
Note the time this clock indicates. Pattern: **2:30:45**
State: **11:41:53**
